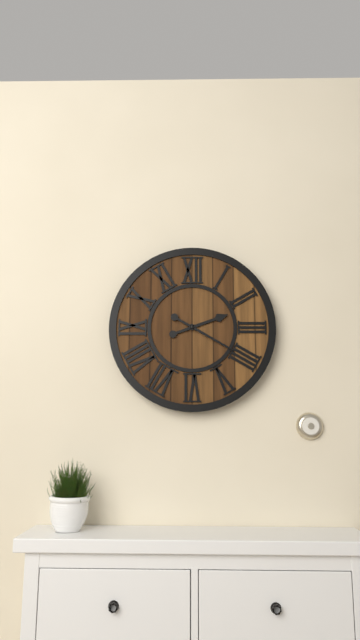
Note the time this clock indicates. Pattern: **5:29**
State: **2:20**
